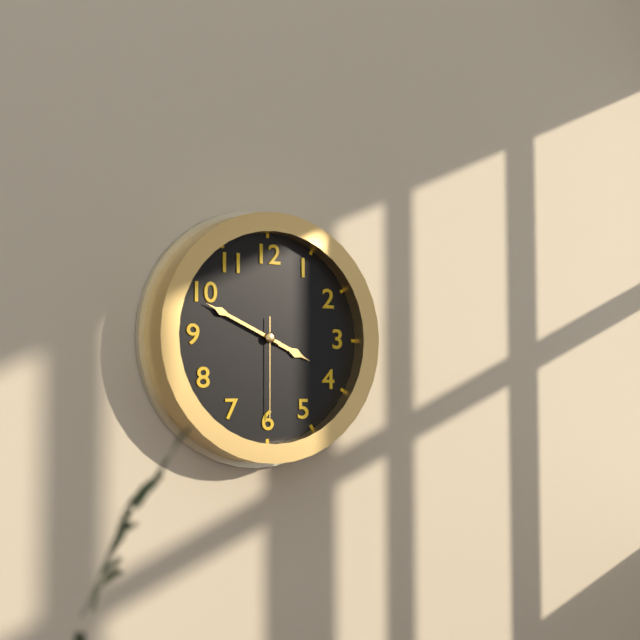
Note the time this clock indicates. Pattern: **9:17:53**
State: **3:49:30**
